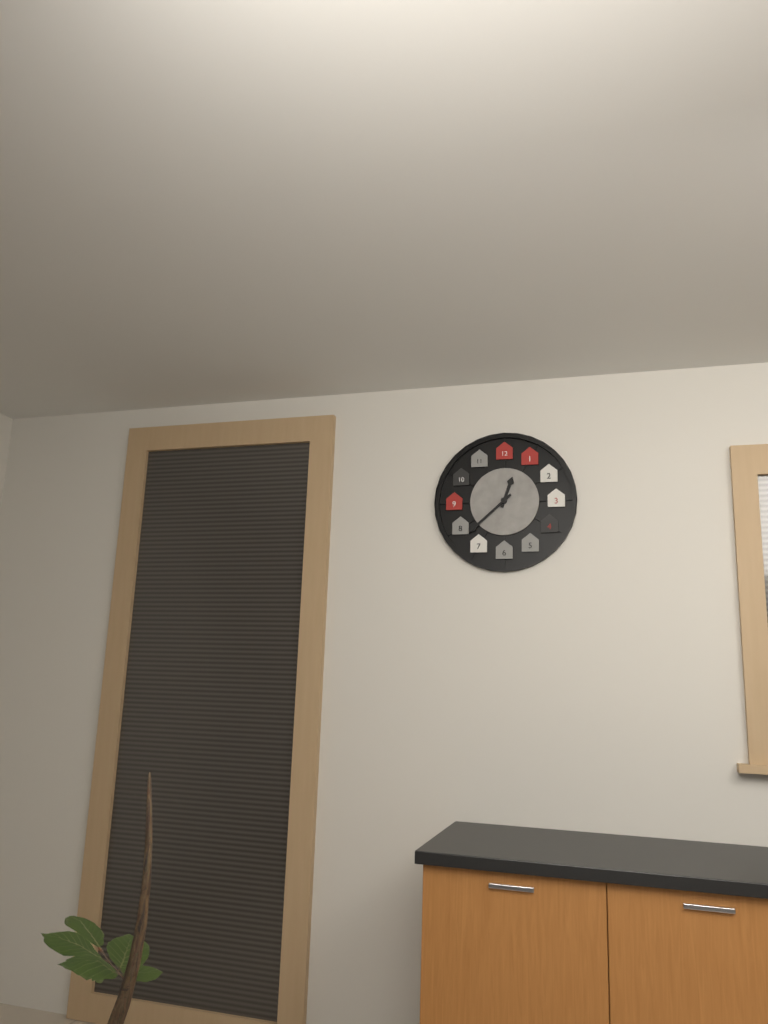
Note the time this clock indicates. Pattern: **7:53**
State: **12:38**
